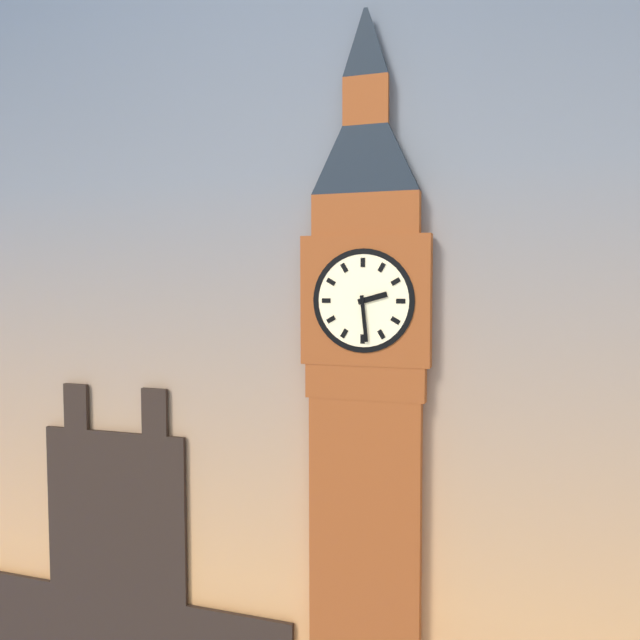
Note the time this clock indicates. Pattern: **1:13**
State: **2:29**
